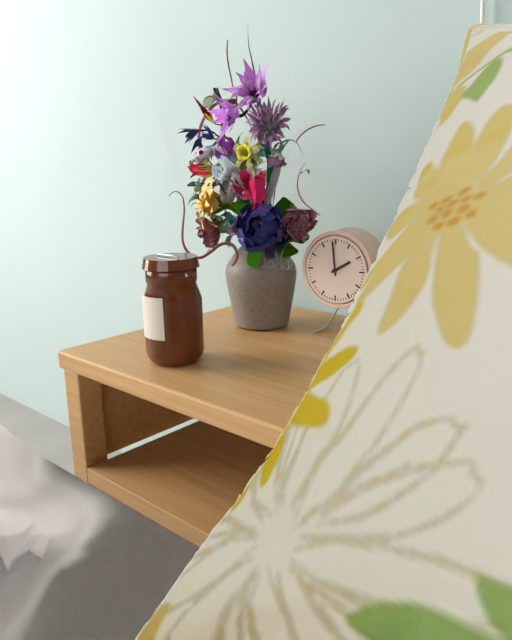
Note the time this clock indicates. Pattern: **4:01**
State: **1:59**
